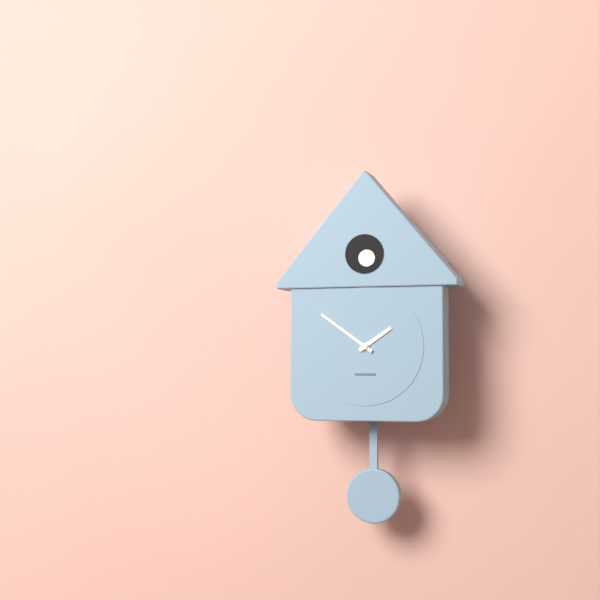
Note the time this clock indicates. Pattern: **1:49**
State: **1:51**
